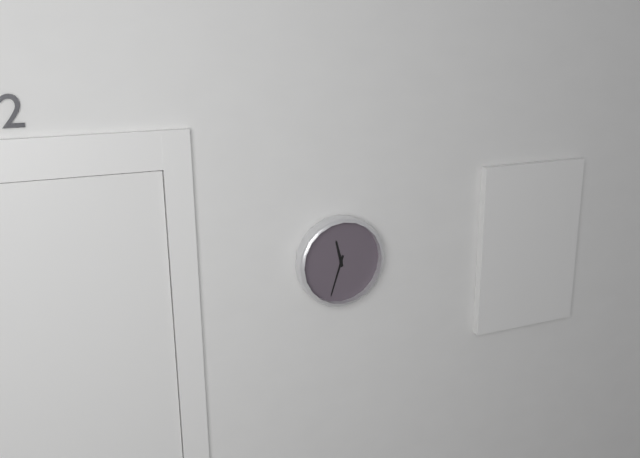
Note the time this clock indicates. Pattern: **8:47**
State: **11:33**
